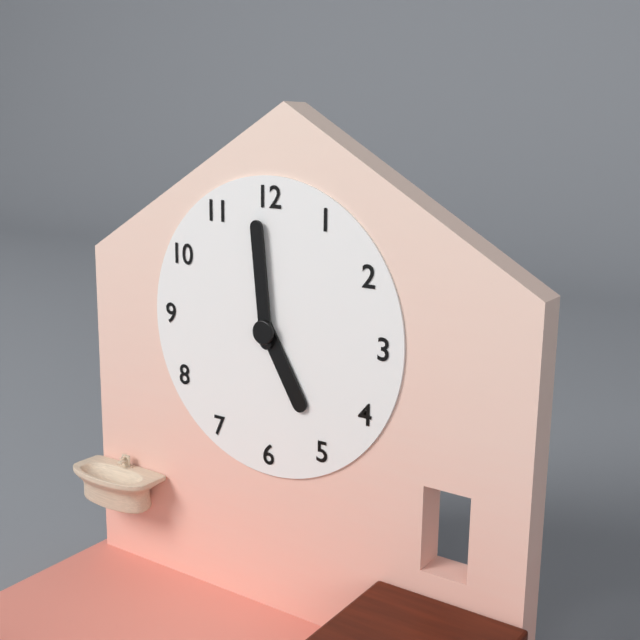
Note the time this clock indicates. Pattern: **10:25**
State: **4:59**
